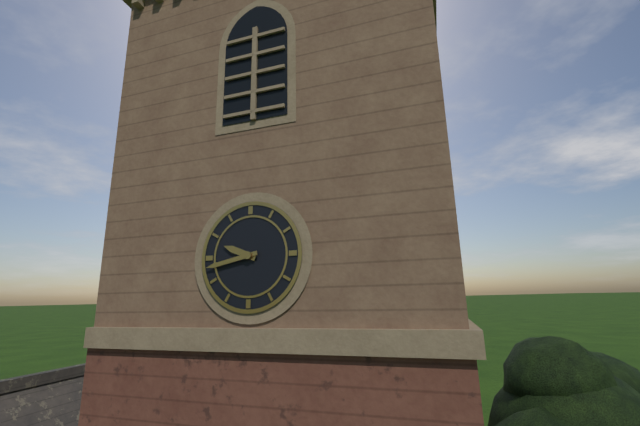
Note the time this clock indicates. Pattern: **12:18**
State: **9:43**
